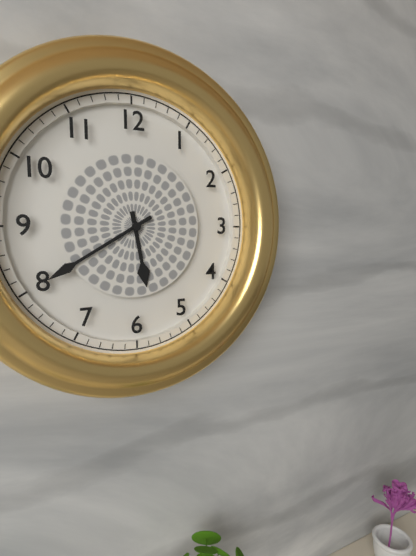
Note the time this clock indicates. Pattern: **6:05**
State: **5:40**
